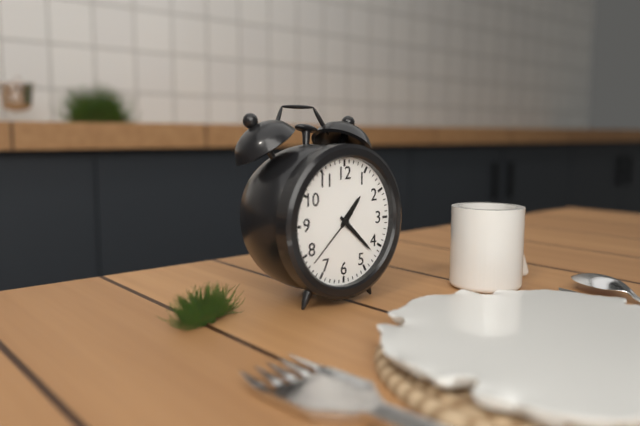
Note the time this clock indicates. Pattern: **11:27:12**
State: **1:22:38**
